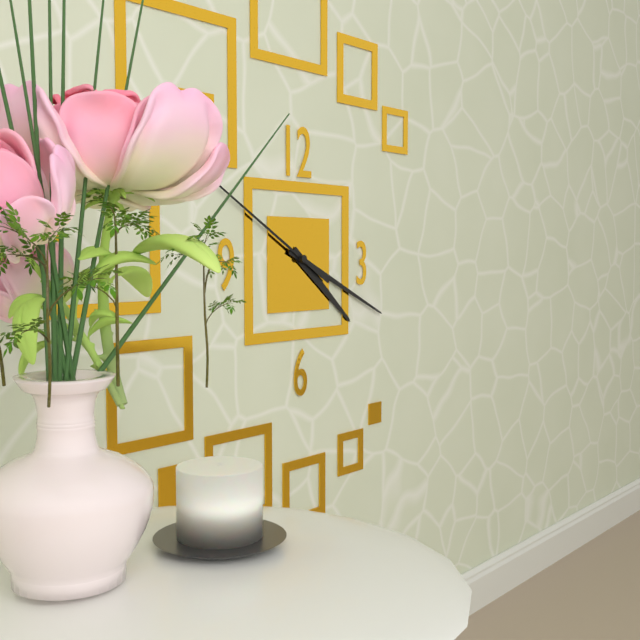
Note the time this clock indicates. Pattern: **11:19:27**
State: **4:19:50**
